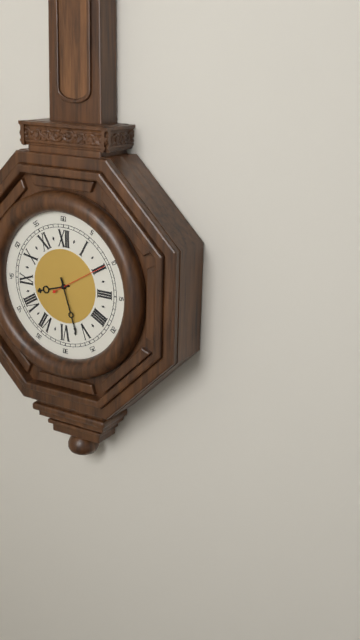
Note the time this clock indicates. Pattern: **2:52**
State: **8:27**
